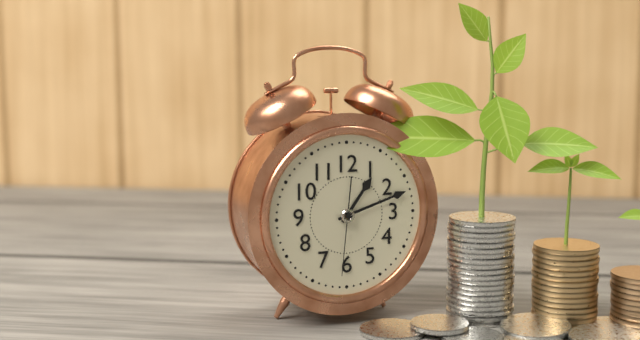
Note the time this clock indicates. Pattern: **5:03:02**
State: **1:12:31**
